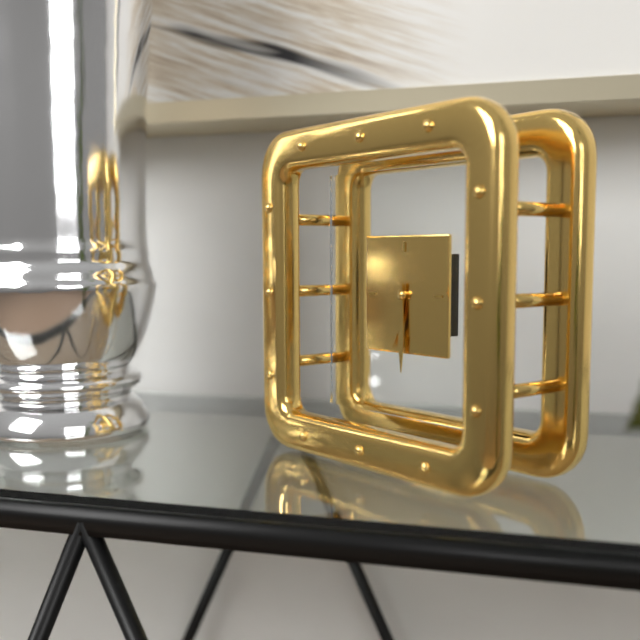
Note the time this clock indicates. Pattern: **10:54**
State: **6:30**
